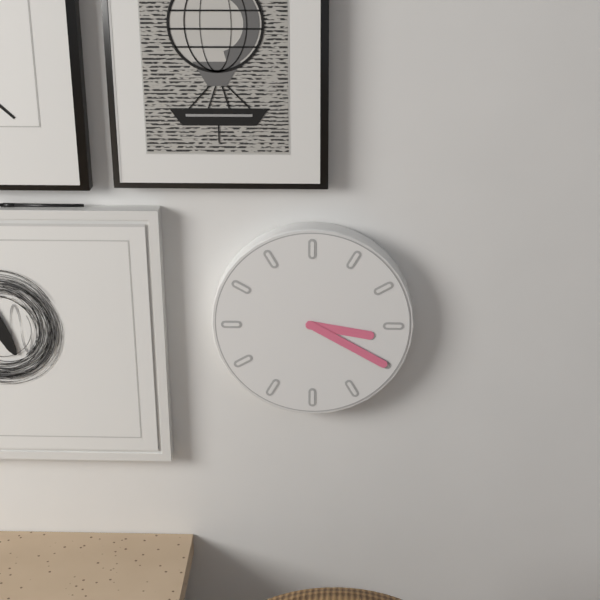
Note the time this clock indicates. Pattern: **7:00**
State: **3:20**
